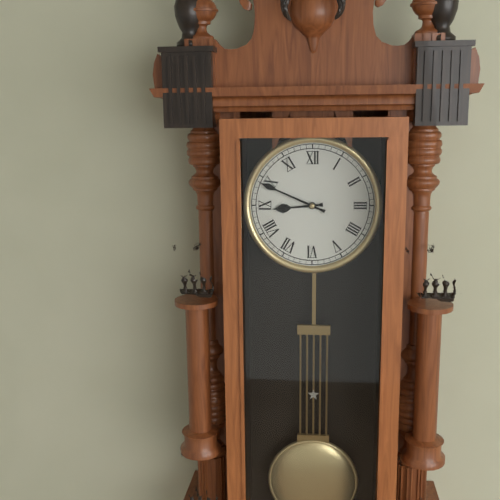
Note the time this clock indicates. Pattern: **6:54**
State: **8:49**
